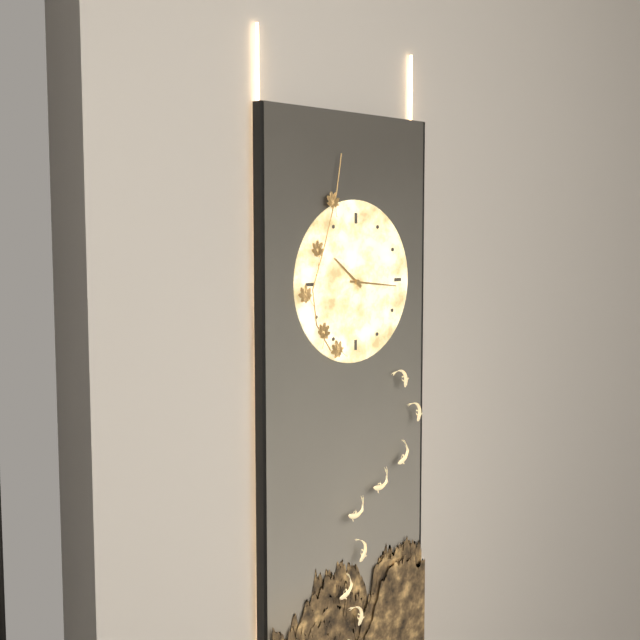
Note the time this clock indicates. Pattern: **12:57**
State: **10:16**
